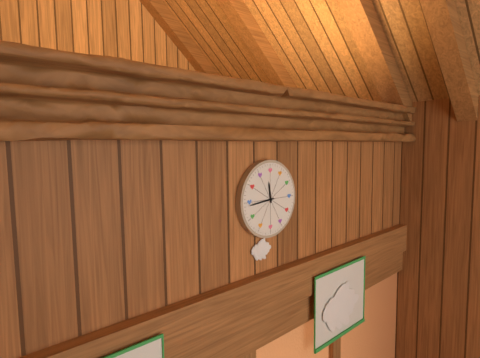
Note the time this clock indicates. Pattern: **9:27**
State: **11:44**
